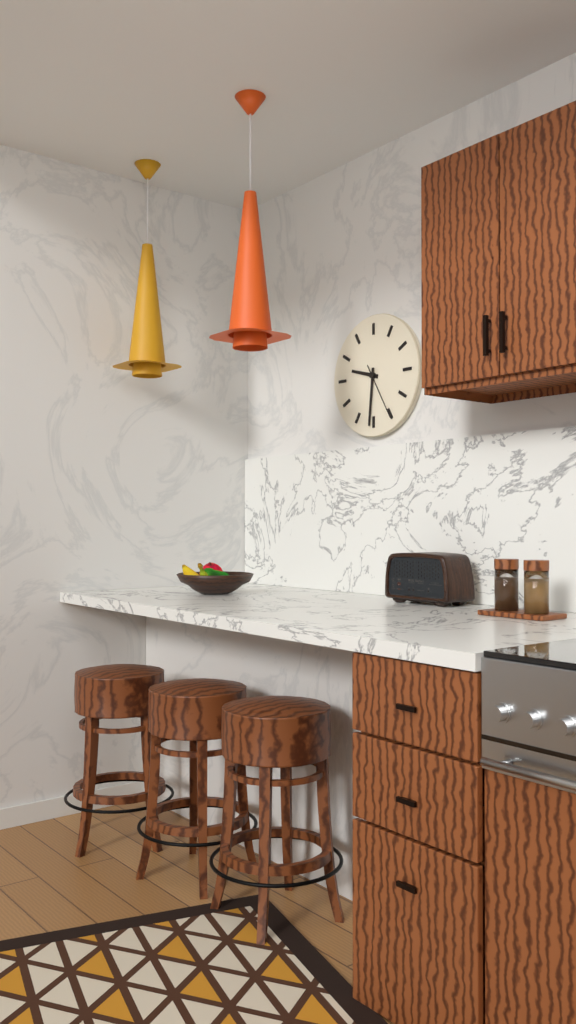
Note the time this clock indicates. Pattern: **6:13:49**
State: **9:31:25**
